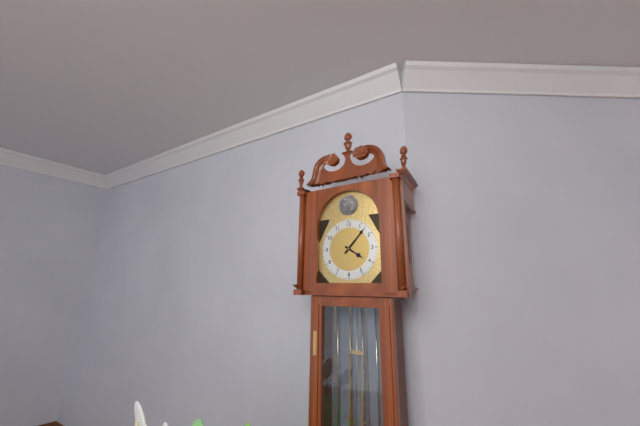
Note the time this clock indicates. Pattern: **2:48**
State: **4:07**
